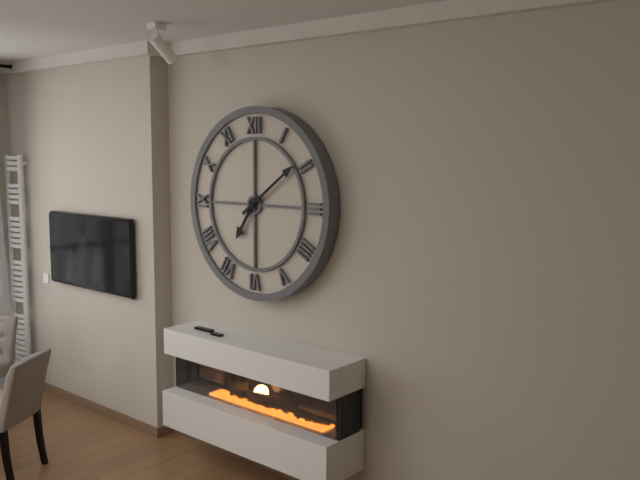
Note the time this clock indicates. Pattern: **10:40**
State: **7:09**
